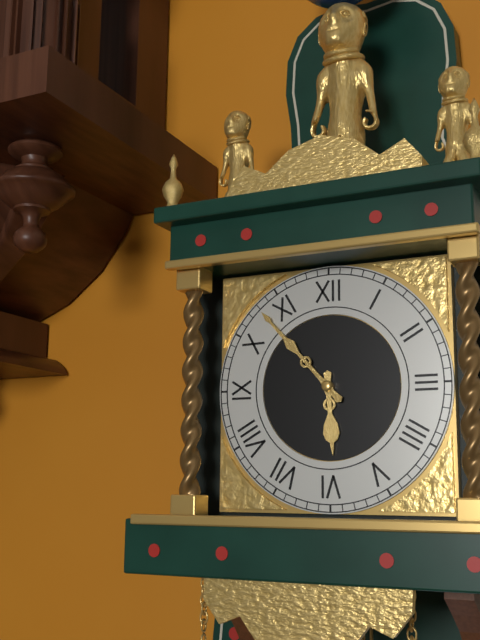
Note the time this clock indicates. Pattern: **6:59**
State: **5:53**
